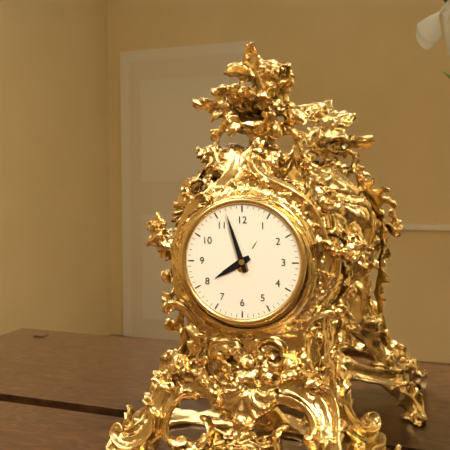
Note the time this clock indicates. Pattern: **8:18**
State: **7:57**
